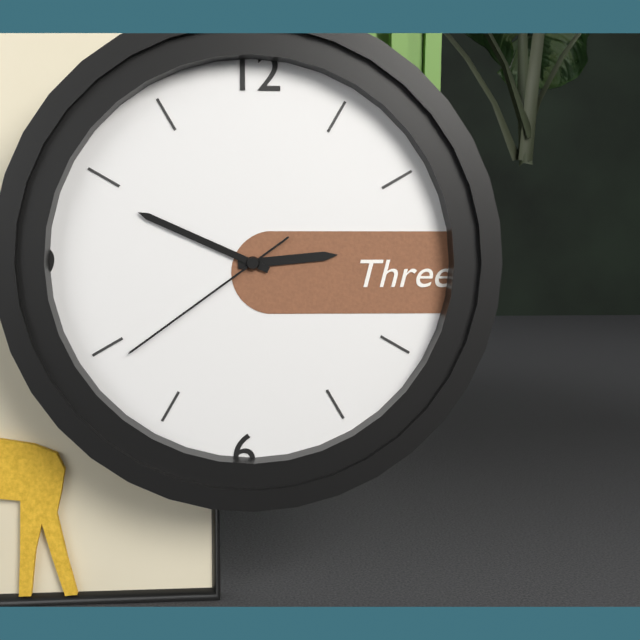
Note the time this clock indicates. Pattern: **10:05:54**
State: **2:49:39**
